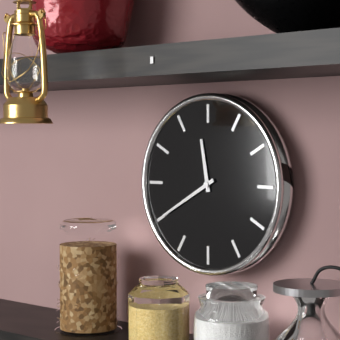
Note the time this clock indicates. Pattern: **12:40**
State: **11:40**
